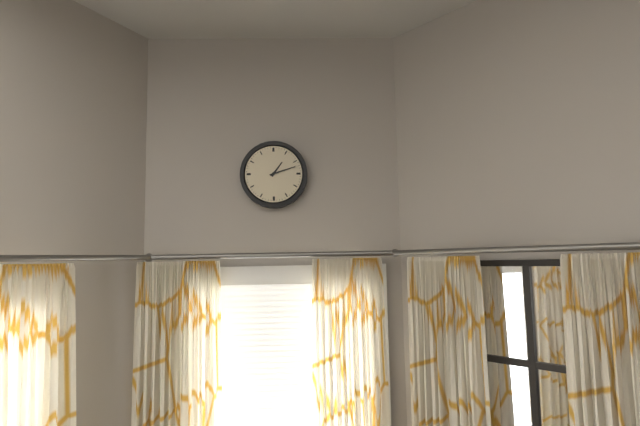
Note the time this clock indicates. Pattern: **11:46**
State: **1:12**
